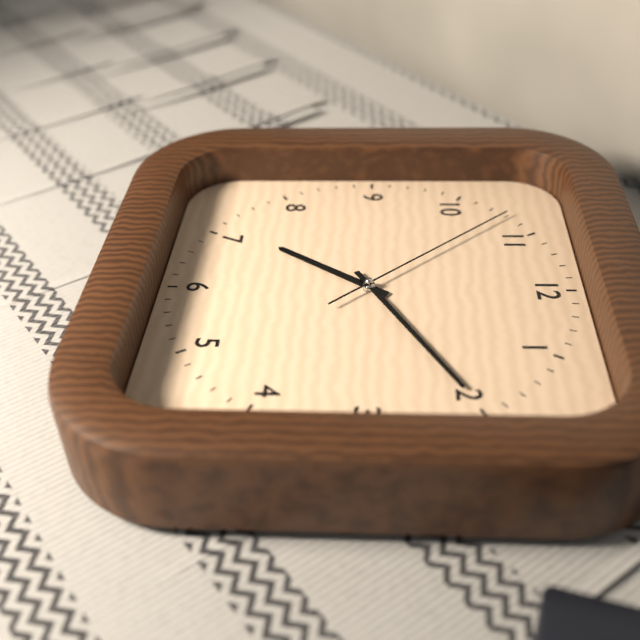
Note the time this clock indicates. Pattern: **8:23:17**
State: **7:10:53**
